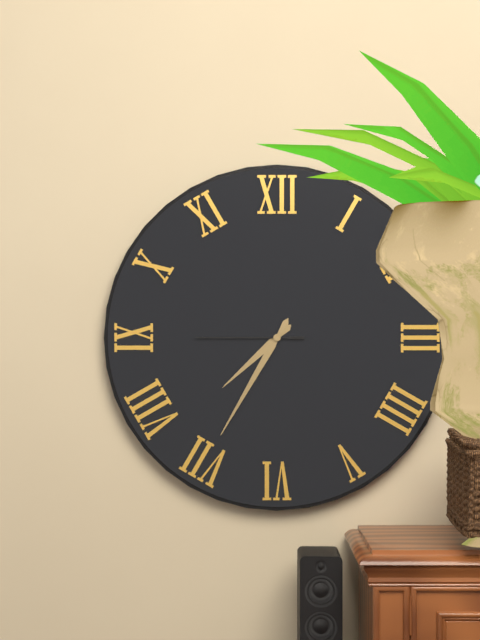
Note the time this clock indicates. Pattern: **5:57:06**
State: **7:35:45**
